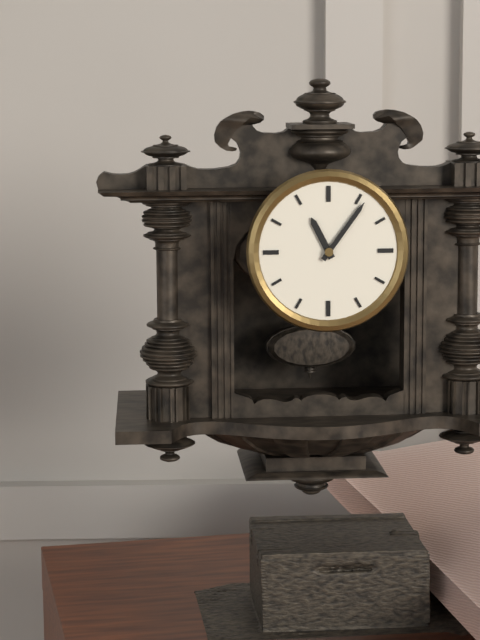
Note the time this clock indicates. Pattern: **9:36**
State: **11:06**
